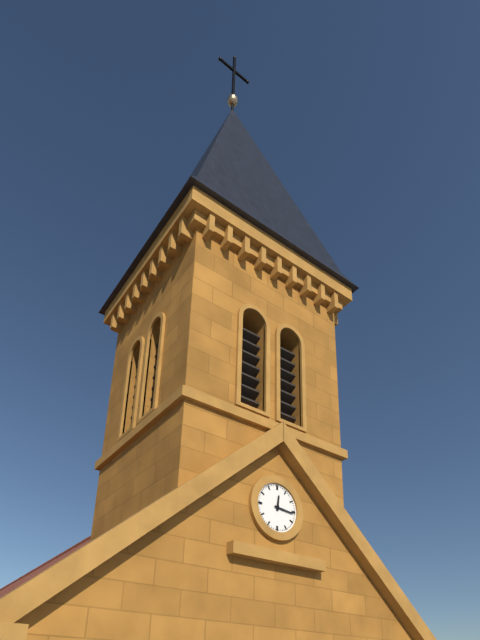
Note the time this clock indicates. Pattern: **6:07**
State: **12:16**
